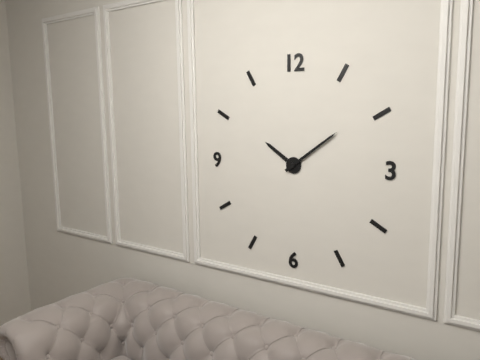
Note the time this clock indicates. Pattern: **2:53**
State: **10:09**
